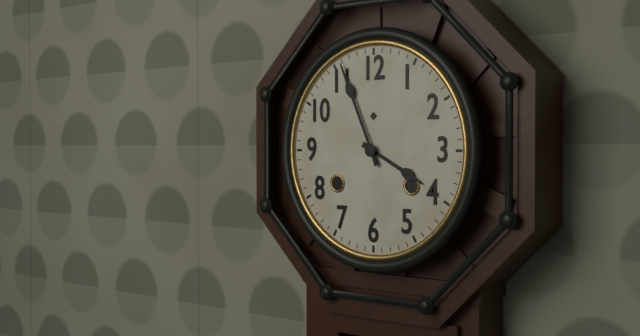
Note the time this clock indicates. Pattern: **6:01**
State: **3:56**
